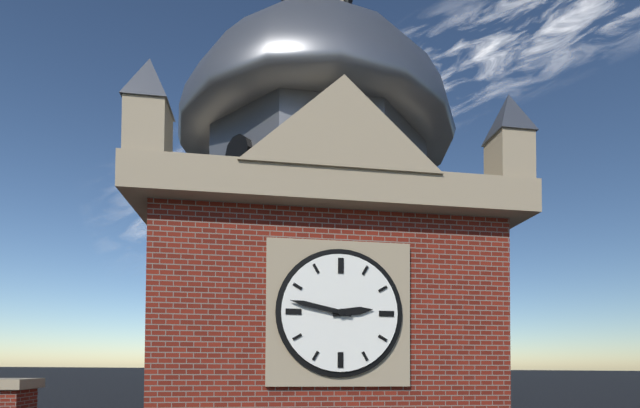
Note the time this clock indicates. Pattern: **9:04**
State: **2:47**
